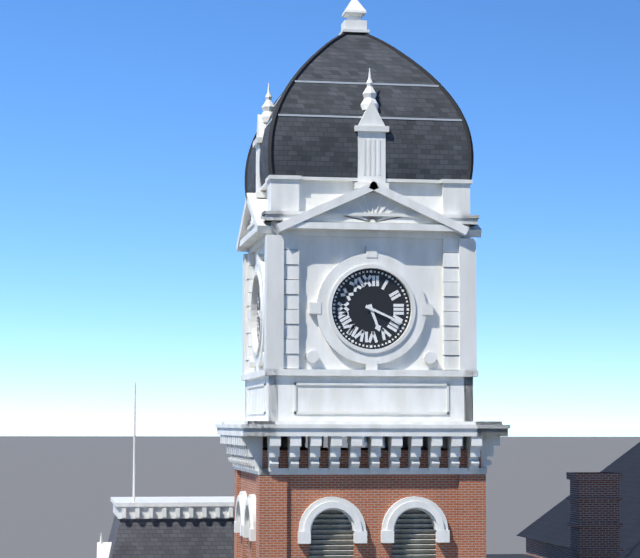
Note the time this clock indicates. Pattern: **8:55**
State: **5:19**
